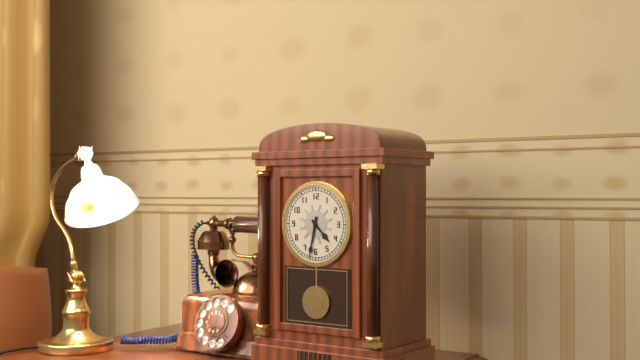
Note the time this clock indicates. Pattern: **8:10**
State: **4:32**
